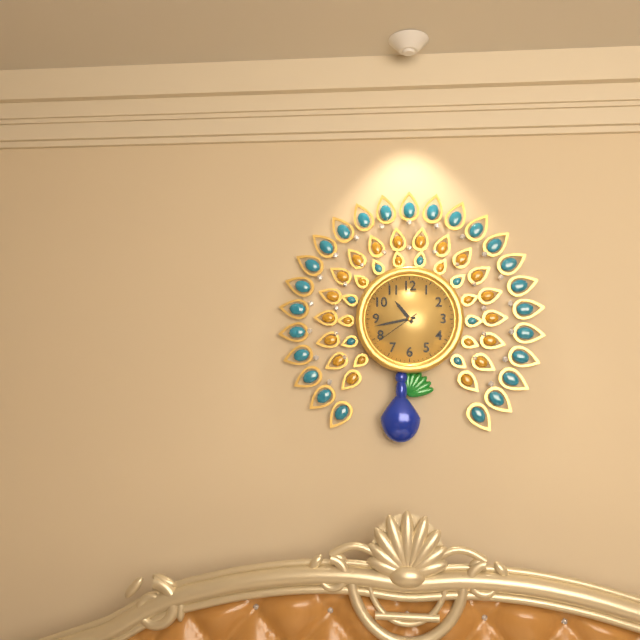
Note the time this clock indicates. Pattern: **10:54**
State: **10:43**
